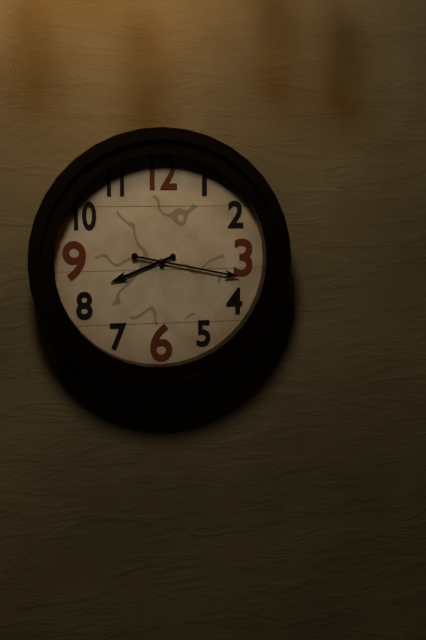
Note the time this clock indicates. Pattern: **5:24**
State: **8:17**
